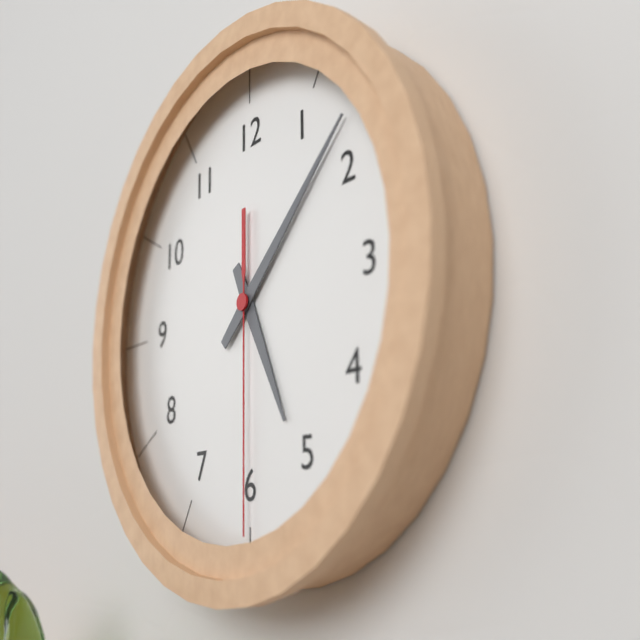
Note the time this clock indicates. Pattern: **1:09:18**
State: **5:08:30**
